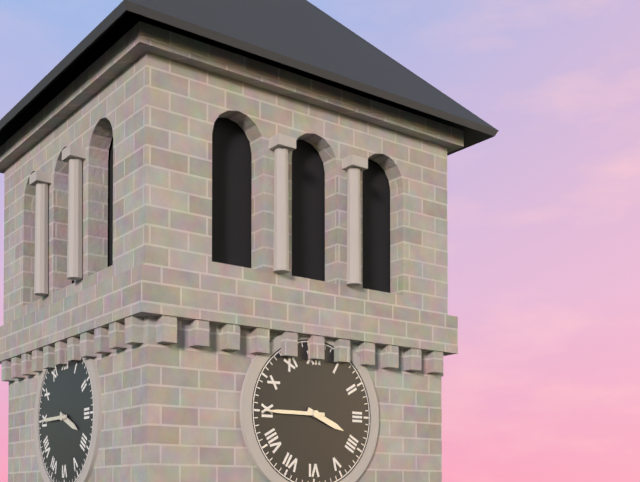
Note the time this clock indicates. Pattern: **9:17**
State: **3:45**
